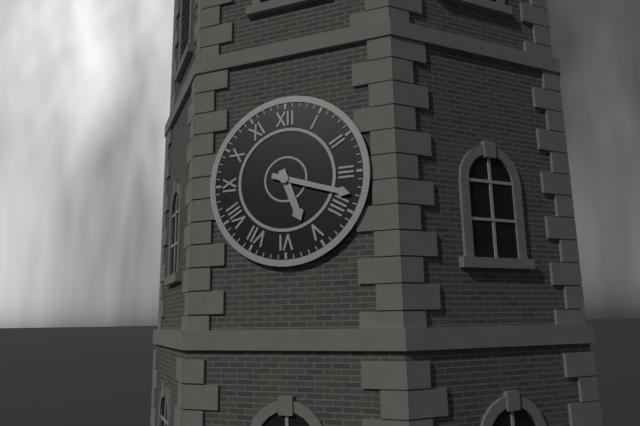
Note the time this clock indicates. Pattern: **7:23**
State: **5:18**
